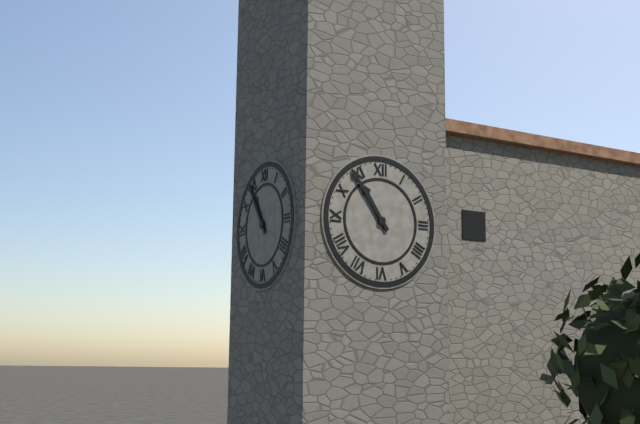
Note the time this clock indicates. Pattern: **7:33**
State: **10:54**
